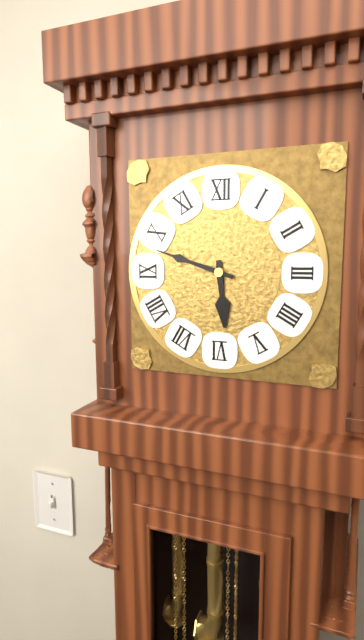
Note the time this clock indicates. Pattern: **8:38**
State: **5:48**
